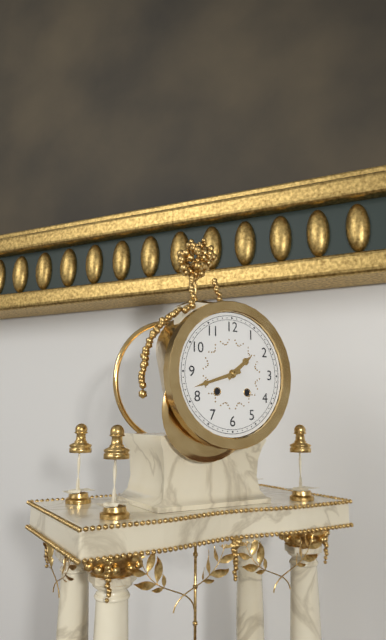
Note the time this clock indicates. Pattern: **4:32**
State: **1:42**
